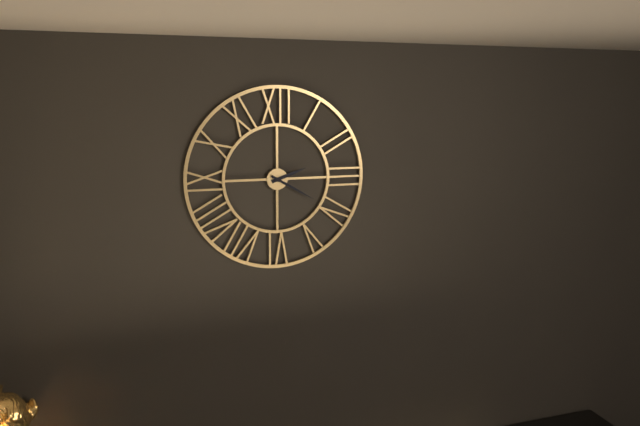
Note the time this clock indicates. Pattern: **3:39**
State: **2:20**
